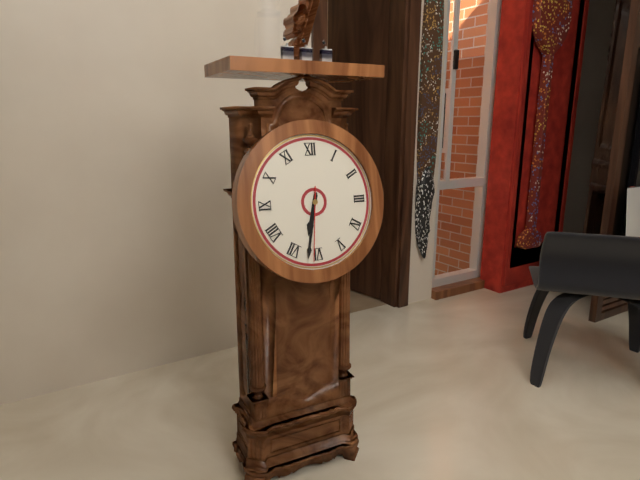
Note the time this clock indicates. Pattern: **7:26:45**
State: **6:32:31**
